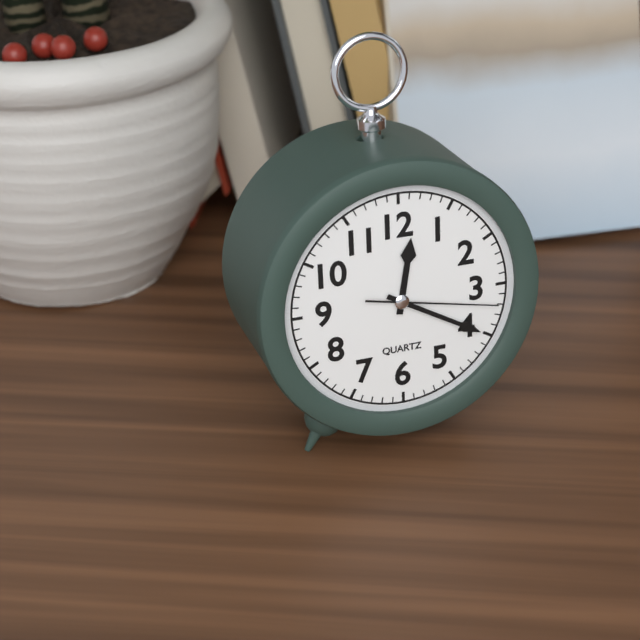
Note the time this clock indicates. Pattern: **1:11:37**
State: **12:20:17**
